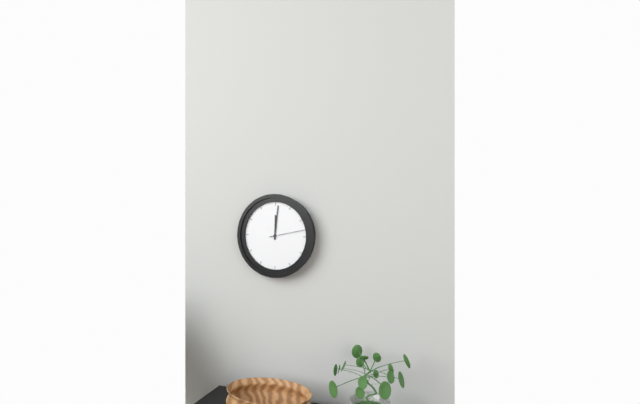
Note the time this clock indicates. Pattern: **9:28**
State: **12:01**
